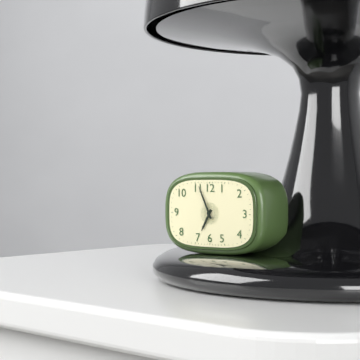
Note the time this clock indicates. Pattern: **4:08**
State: **6:56**
